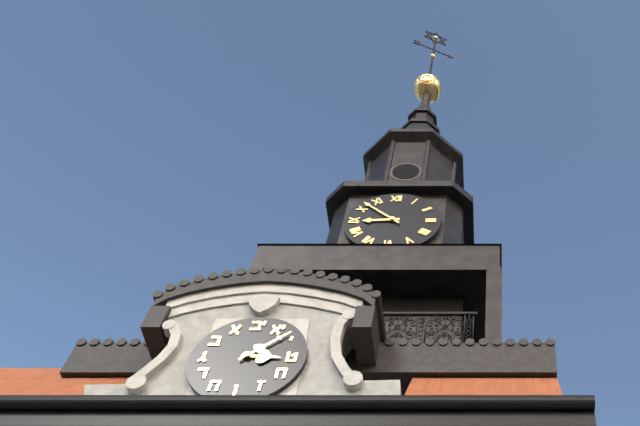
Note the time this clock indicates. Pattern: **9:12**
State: **8:52**
